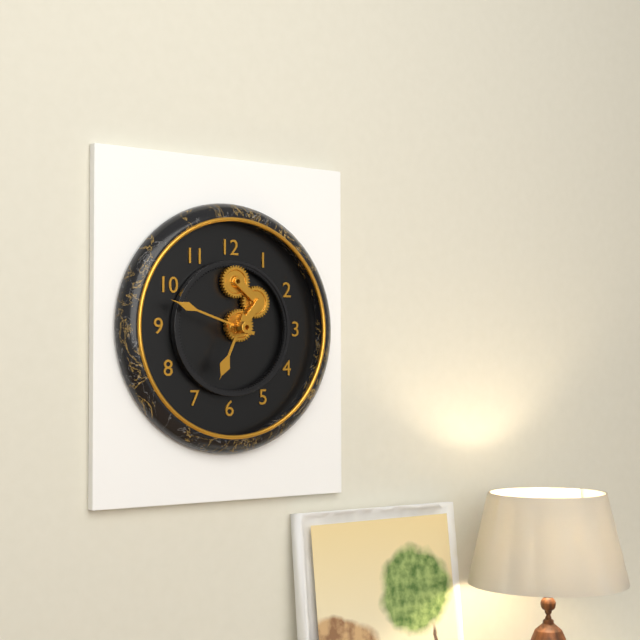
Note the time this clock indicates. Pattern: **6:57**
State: **6:48**
